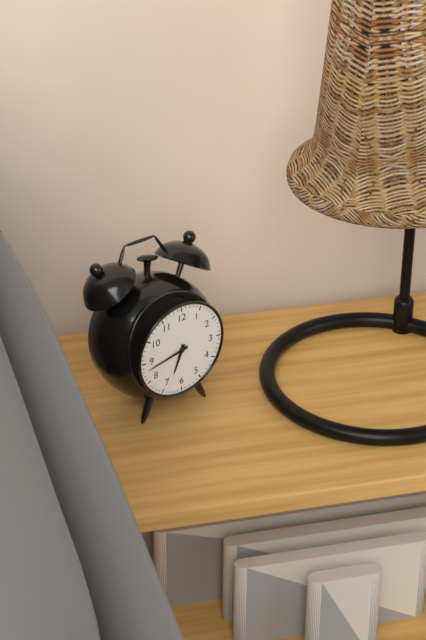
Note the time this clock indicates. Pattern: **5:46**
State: **6:43**
